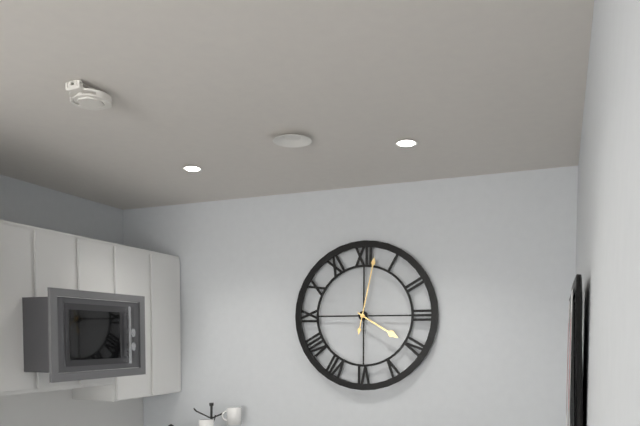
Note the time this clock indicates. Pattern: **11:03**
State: **4:02**
